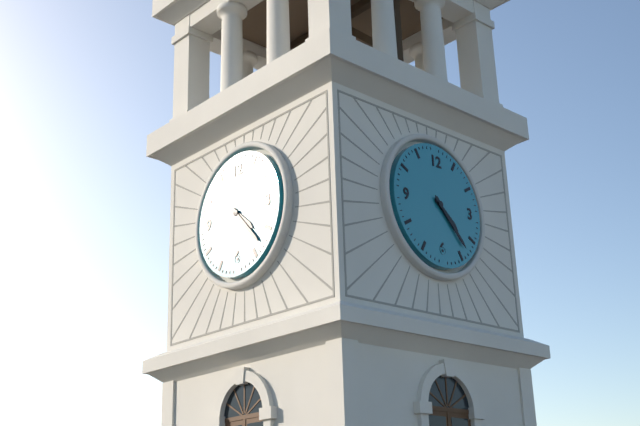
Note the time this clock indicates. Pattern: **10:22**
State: **4:23**
